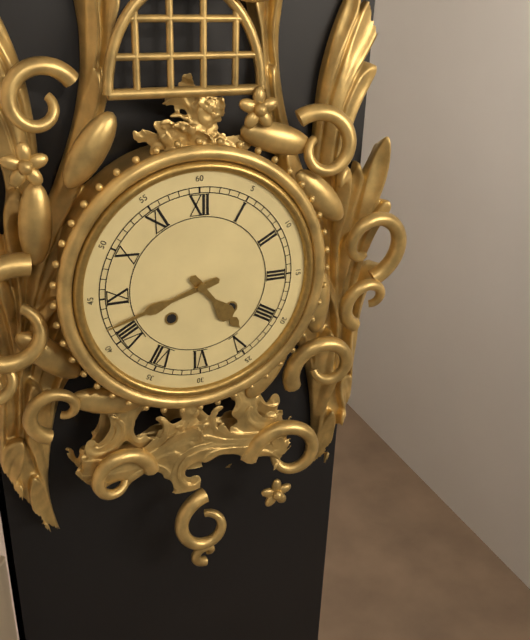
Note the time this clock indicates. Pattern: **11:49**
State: **4:42**
